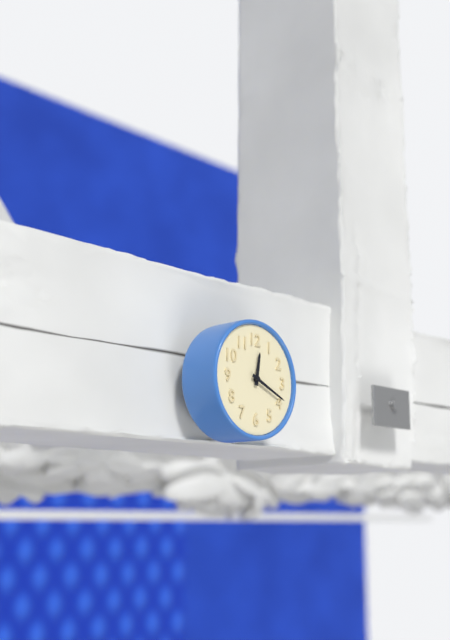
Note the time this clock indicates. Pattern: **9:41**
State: **12:19**
